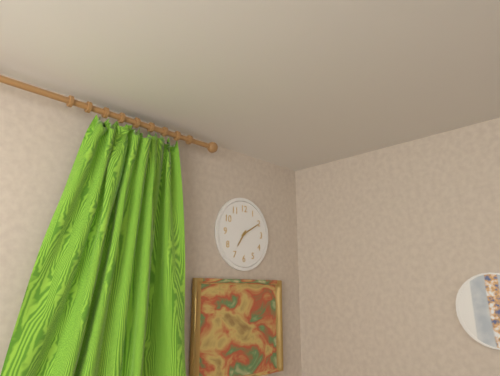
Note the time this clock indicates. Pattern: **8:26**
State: **7:10**
